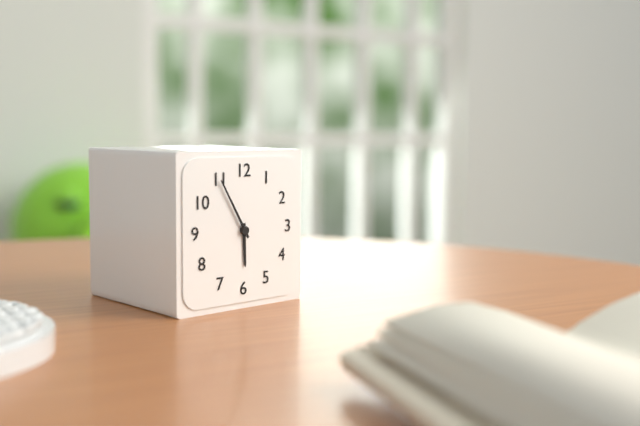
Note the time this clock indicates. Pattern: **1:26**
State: **5:55**
